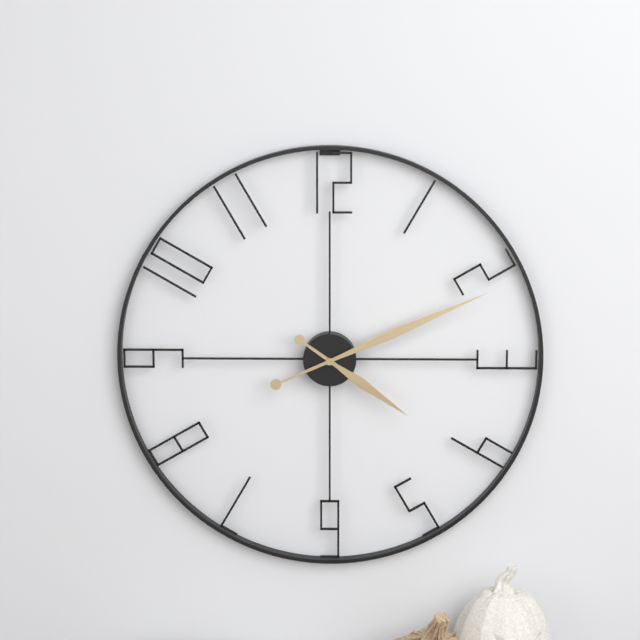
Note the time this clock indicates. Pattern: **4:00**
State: **4:11**
